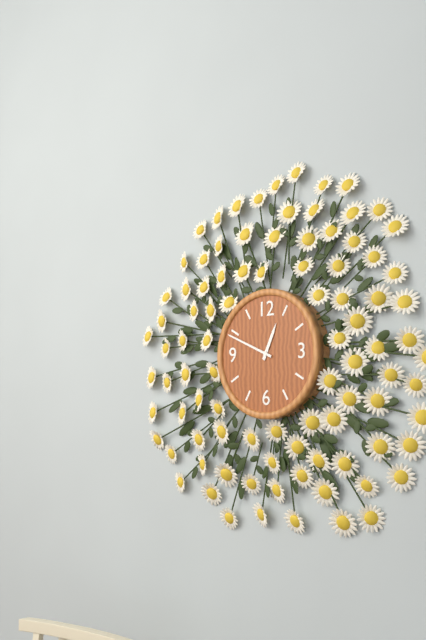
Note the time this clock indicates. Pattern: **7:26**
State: **12:49**
